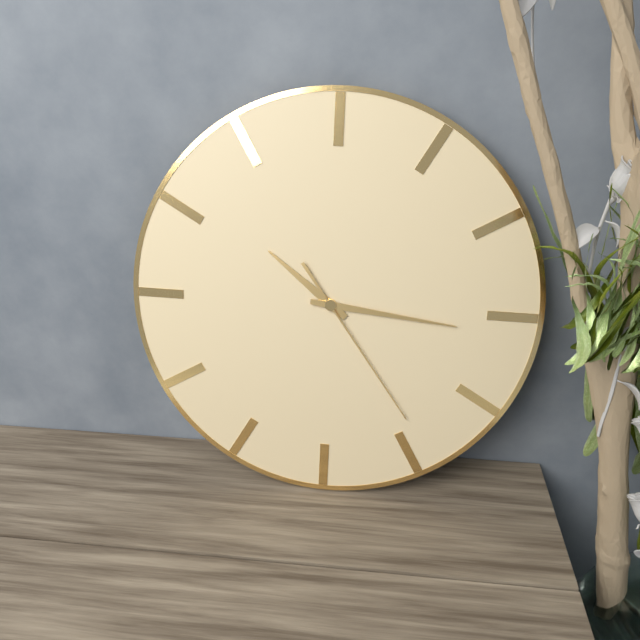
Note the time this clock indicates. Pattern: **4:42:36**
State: **10:16:24**
